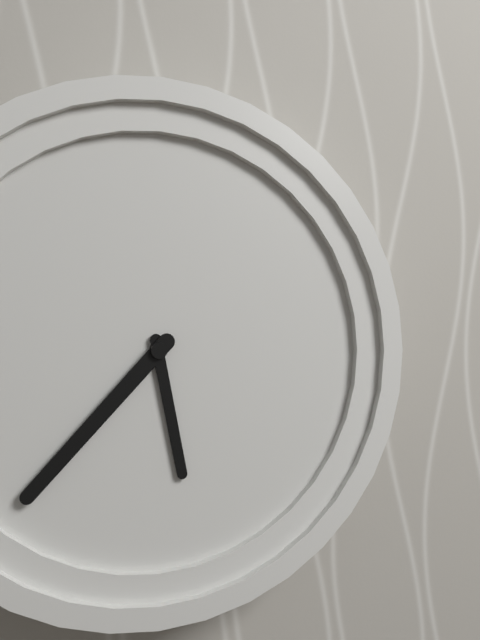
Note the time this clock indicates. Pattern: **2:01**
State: **5:37**
